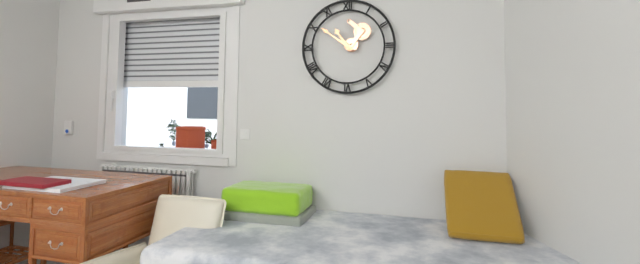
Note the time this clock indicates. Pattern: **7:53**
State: **10:51**
